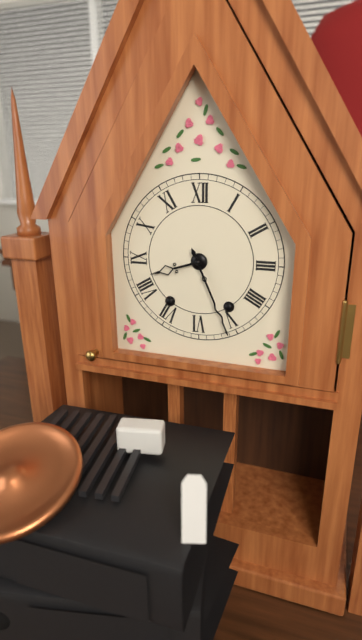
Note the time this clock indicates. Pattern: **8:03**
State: **8:26**
